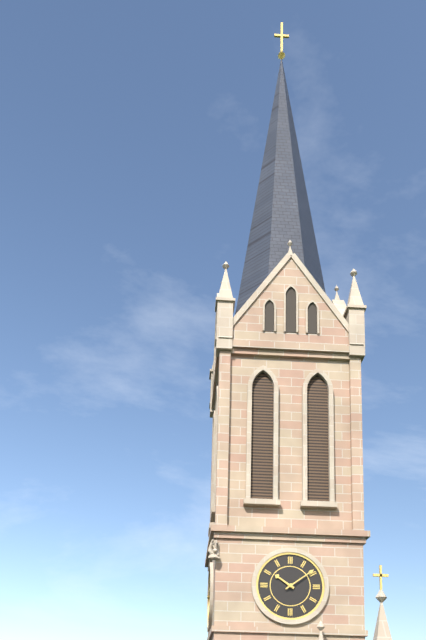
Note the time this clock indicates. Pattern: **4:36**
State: **10:09**
